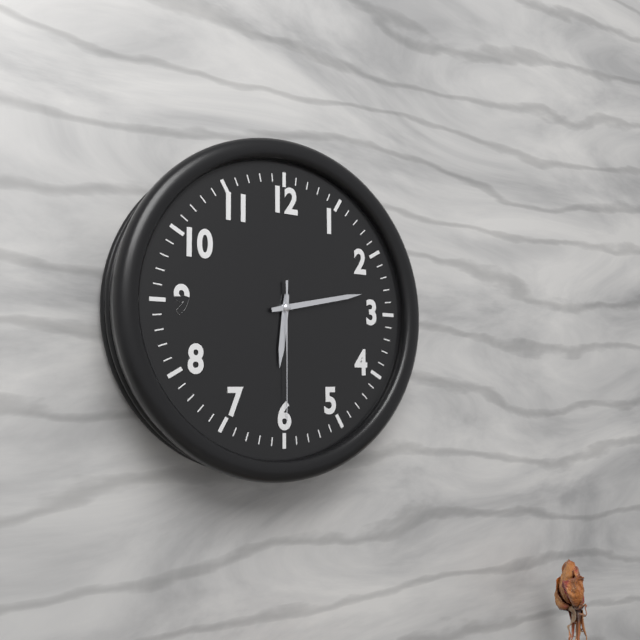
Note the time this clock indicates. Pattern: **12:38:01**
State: **6:13:30**
